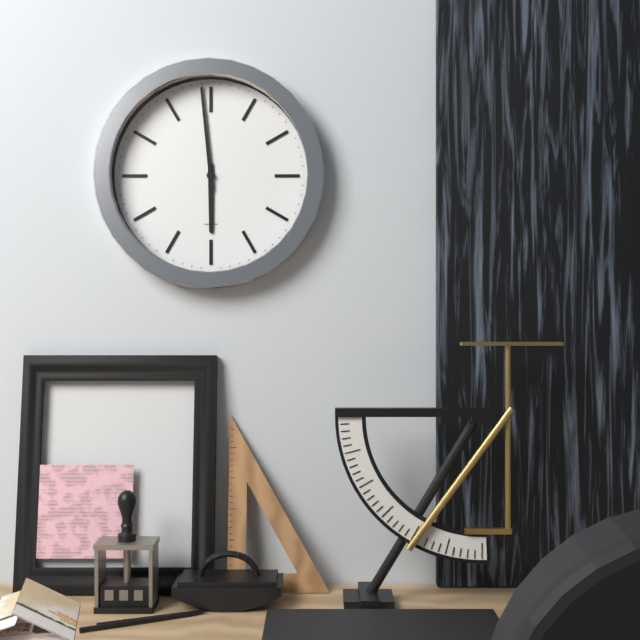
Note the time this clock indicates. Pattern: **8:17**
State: **5:59**
